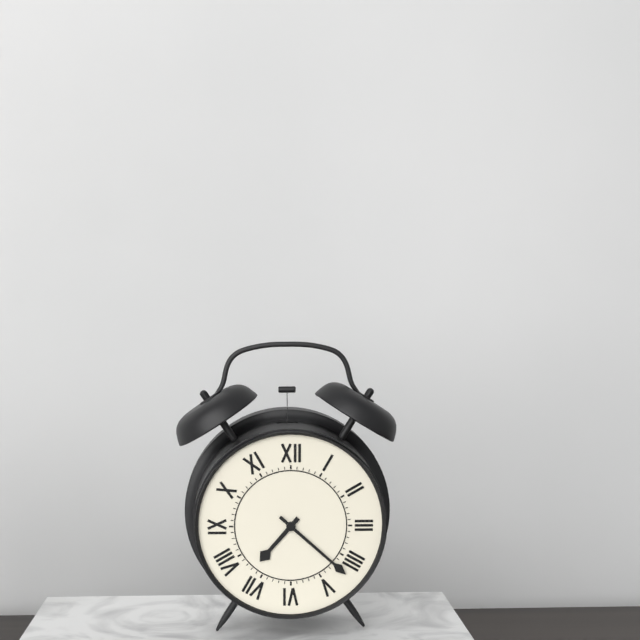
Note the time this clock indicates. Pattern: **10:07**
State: **7:22**
